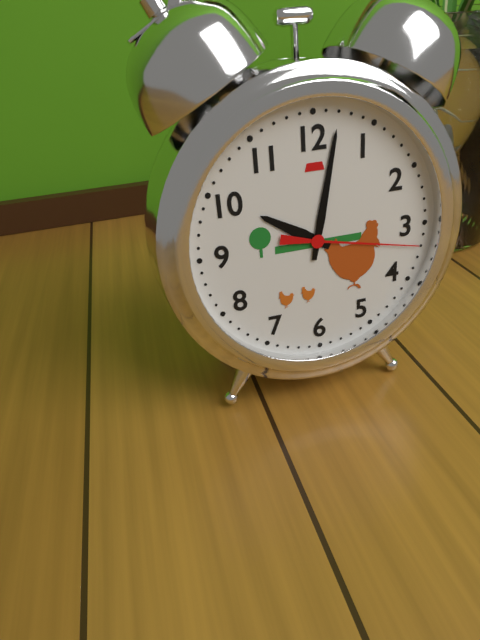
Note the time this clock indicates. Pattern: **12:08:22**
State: **10:02:17**
